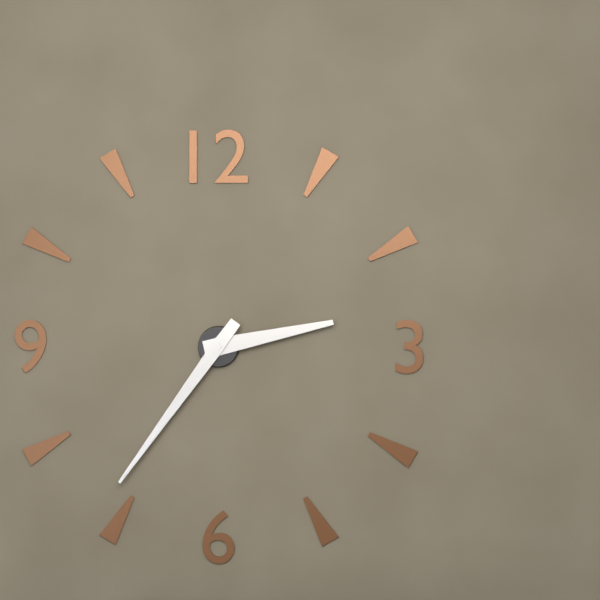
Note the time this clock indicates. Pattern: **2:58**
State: **2:36**
